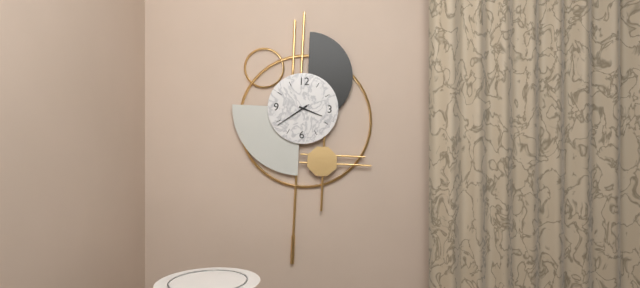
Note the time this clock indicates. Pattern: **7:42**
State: **3:39**
